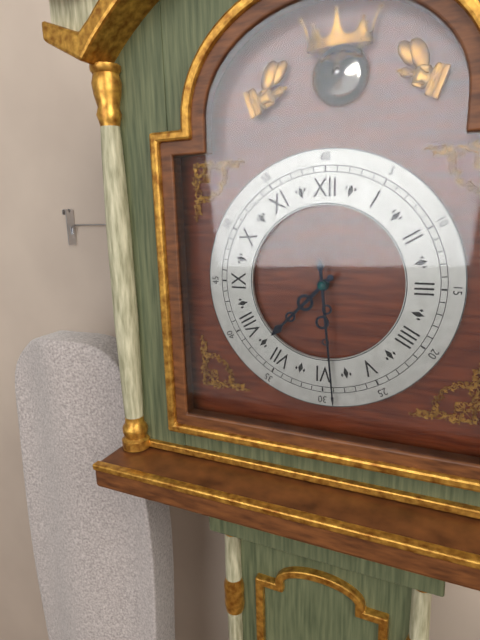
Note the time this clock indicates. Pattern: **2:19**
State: **7:29**
